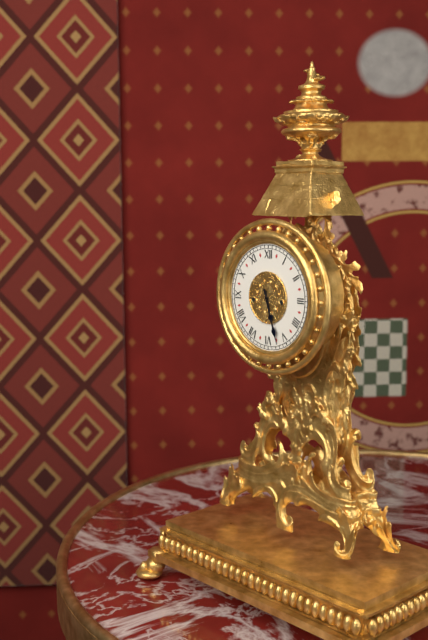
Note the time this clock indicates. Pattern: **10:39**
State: **5:27**
